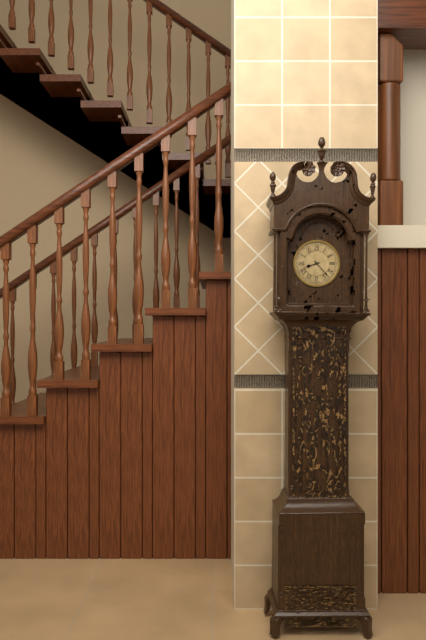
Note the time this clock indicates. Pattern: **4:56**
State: **8:23**
